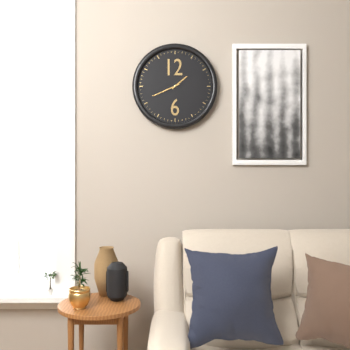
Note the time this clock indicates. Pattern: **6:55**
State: **1:41**
